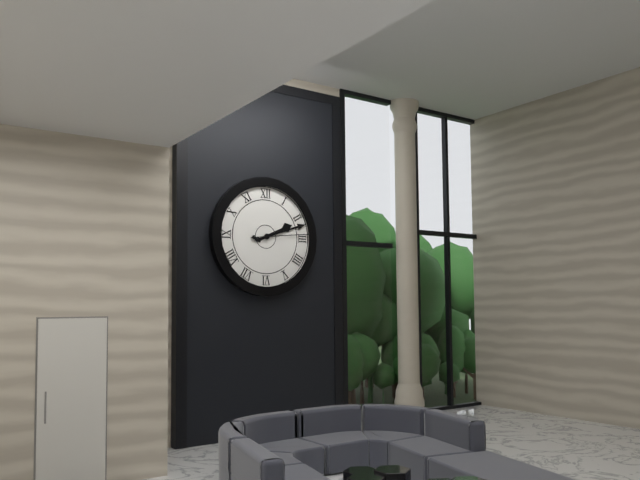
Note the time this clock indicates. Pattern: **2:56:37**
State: **2:12:14**
